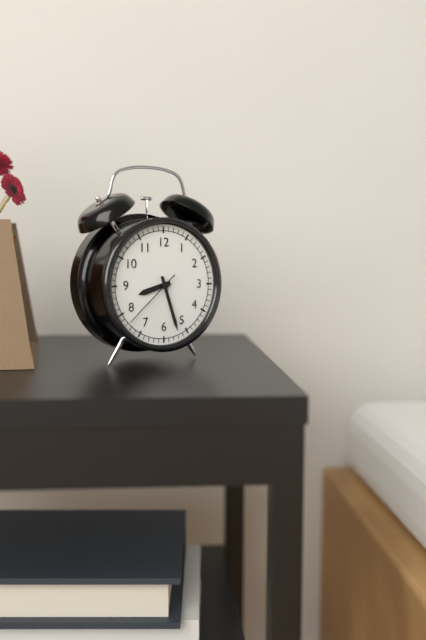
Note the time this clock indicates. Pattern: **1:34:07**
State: **8:27:38**
